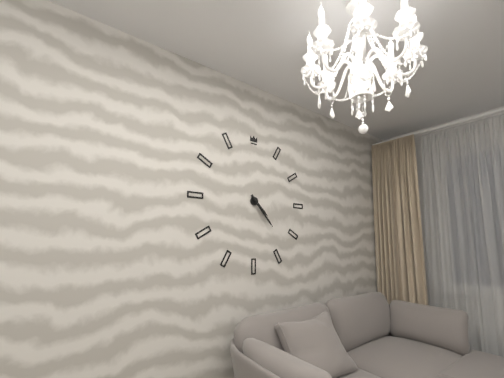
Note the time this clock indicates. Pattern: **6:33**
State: **4:23**
